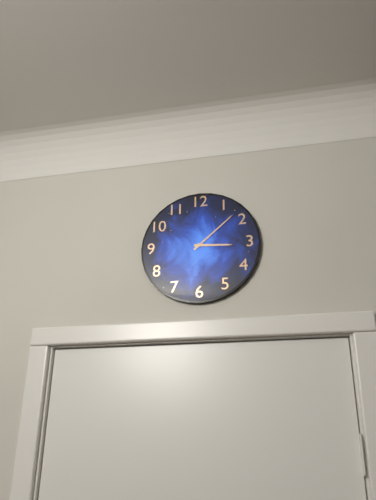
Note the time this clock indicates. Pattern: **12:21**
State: **3:08**
